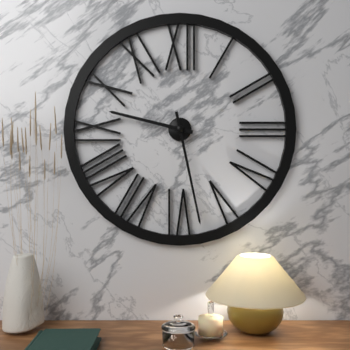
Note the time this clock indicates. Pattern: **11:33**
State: **9:28**
